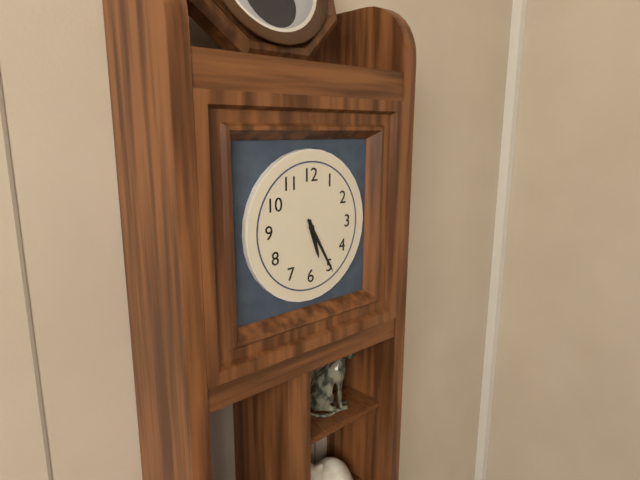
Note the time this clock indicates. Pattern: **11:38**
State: **5:25**
